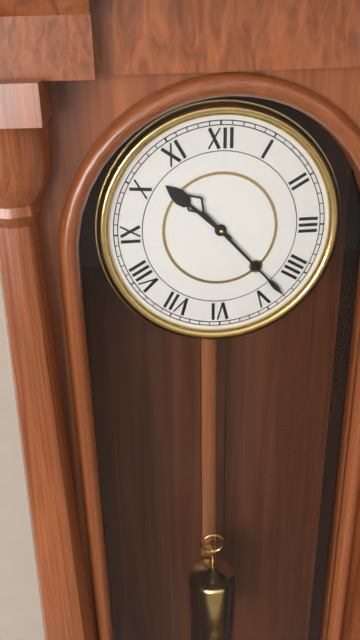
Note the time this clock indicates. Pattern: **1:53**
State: **10:23**
